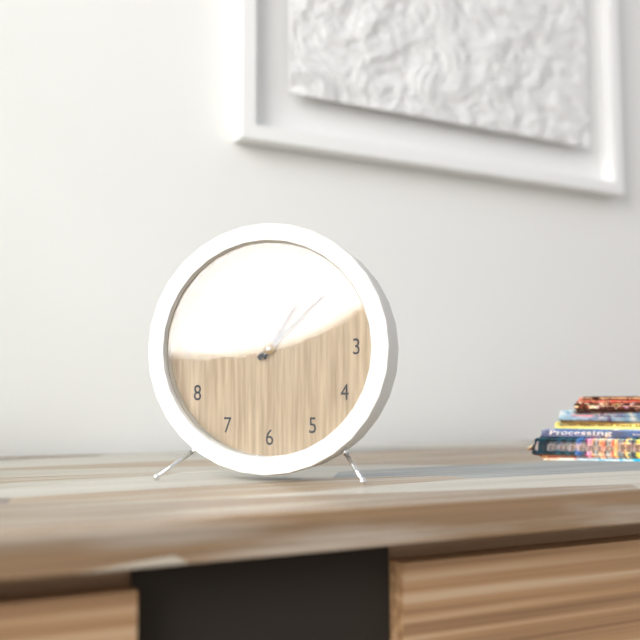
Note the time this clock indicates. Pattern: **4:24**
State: **1:08**
